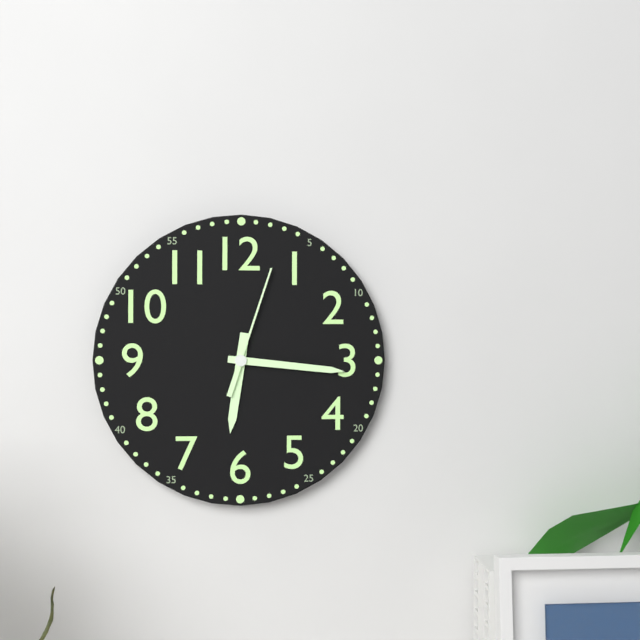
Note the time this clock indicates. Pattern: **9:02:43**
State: **6:16:03**
